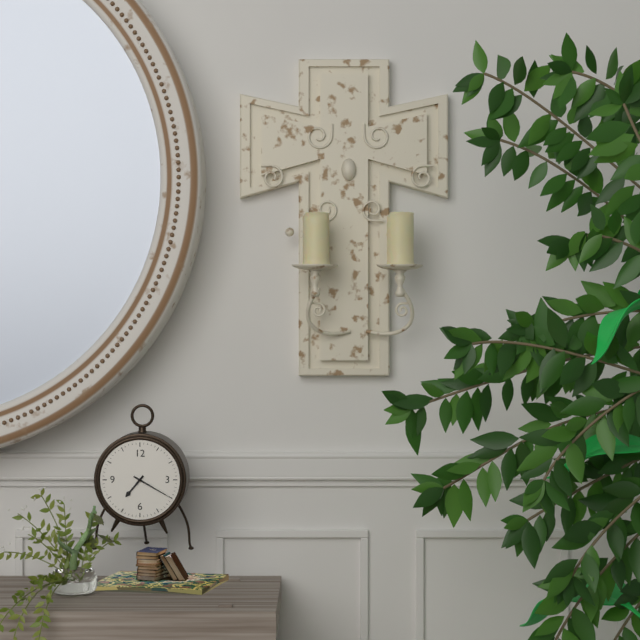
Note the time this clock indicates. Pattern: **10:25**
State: **7:20**
